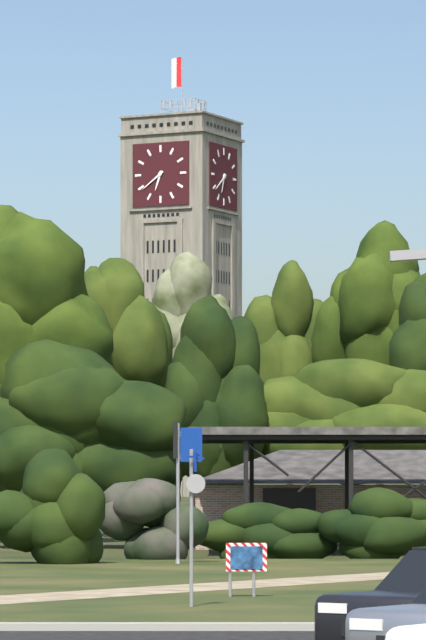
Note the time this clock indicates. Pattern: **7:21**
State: **6:39**
